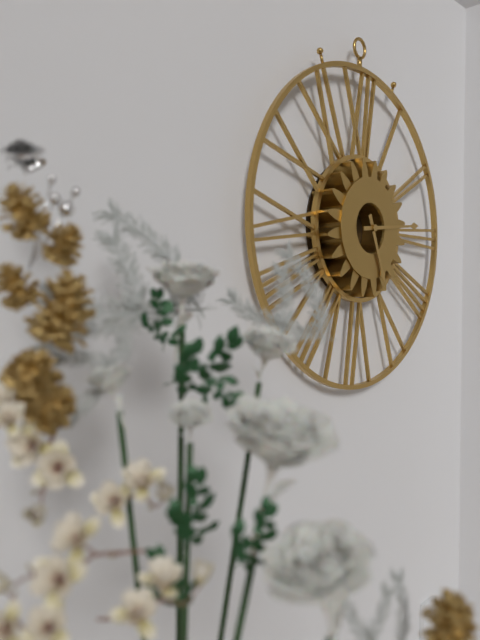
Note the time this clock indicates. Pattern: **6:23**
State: **5:14**
